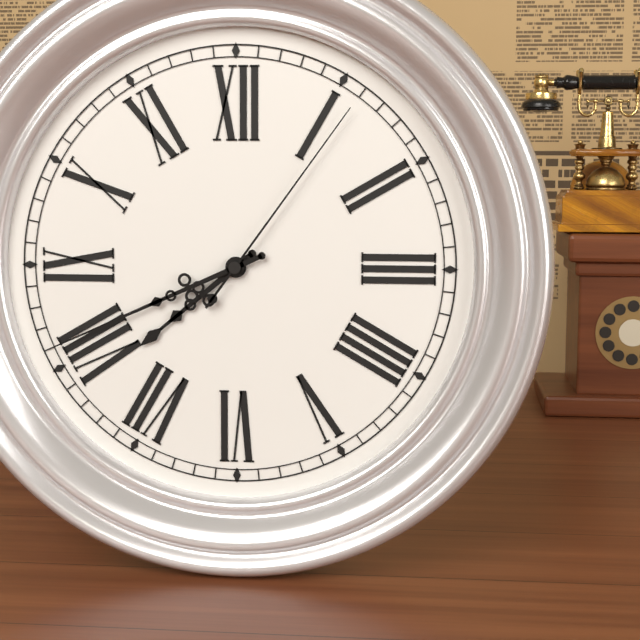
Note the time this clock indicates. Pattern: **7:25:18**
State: **7:41:06**
